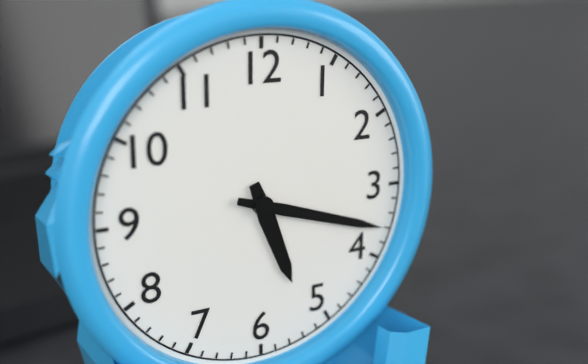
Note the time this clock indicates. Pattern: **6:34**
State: **5:18**
